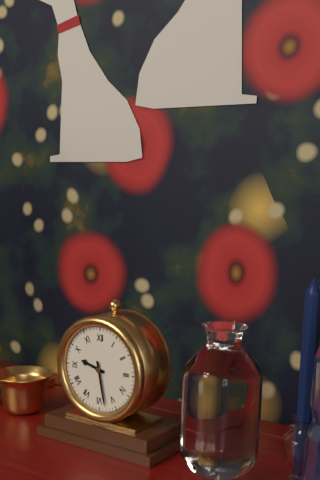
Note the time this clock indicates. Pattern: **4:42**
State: **9:28**
